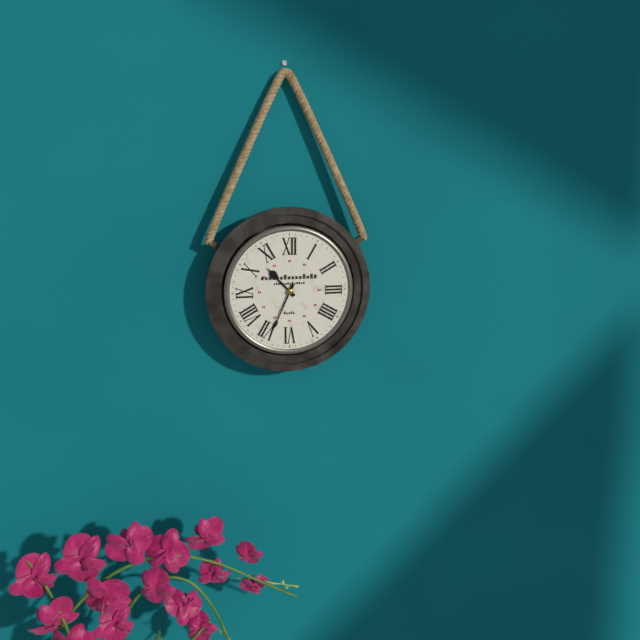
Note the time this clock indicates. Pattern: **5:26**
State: **10:34**
